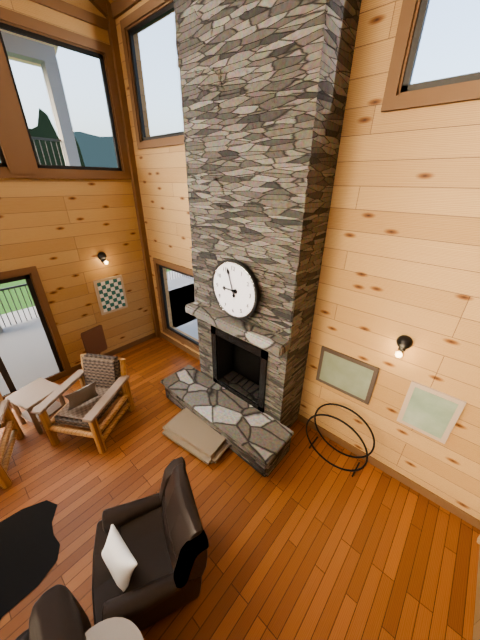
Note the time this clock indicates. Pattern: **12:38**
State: **8:57**
